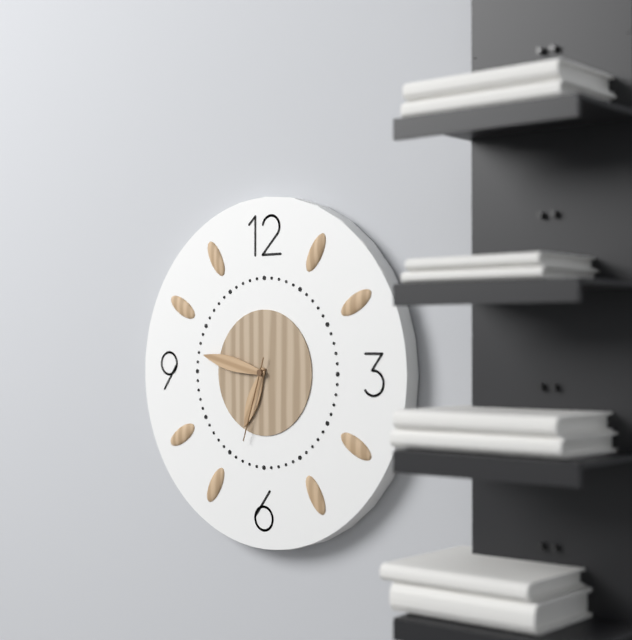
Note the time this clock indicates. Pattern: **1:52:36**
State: **6:47:33**
